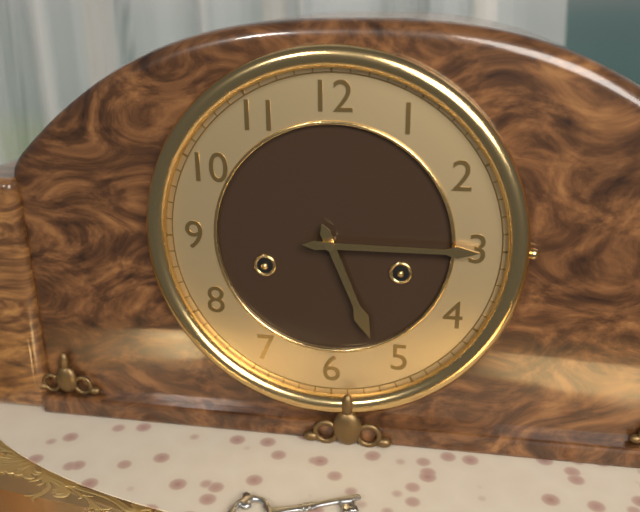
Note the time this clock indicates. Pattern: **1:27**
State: **5:15**
